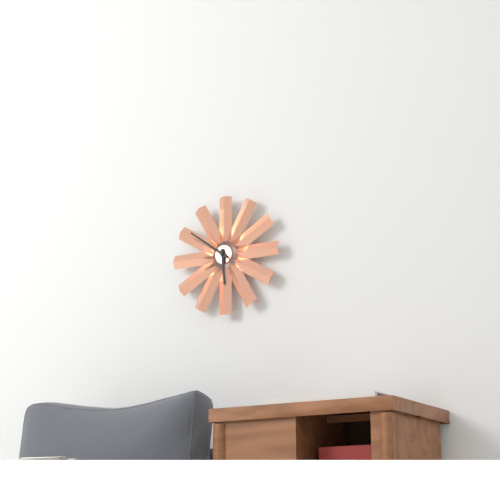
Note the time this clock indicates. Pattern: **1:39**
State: **5:51**
